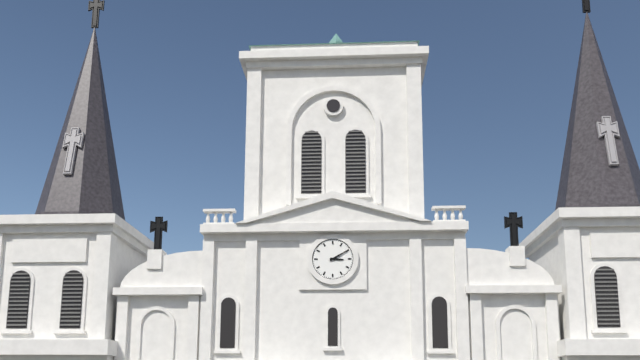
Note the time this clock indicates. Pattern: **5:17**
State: **3:10**
